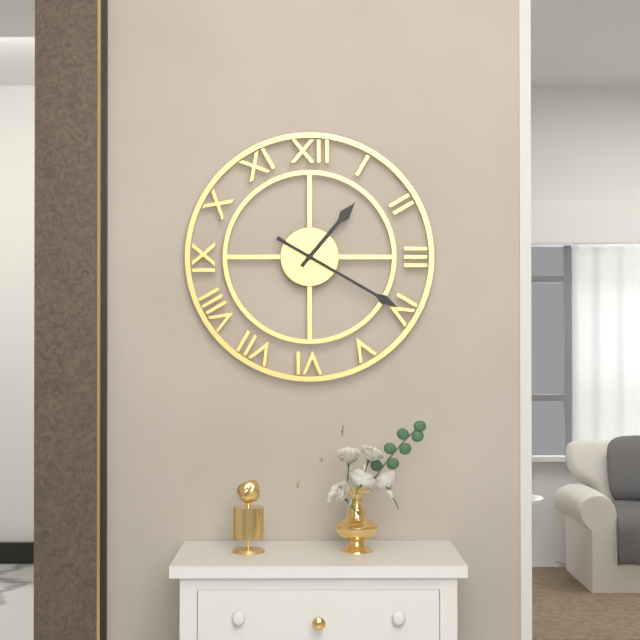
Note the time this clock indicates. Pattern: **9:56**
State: **1:20**
